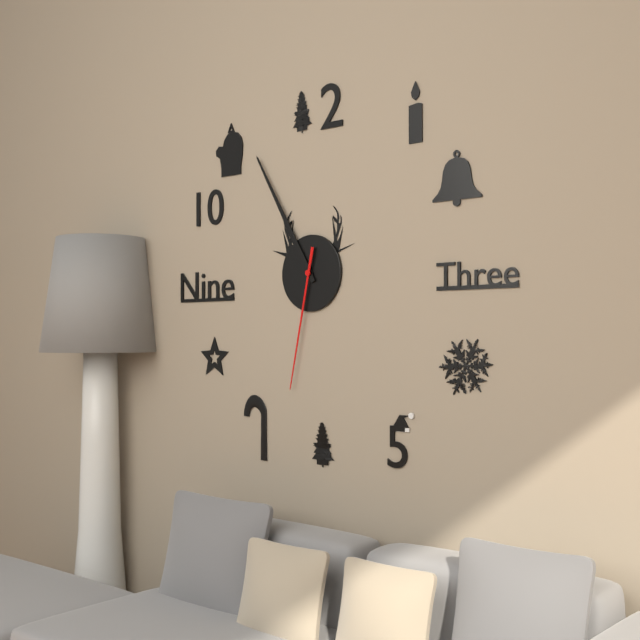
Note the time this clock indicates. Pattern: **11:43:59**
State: **10:55:32**
